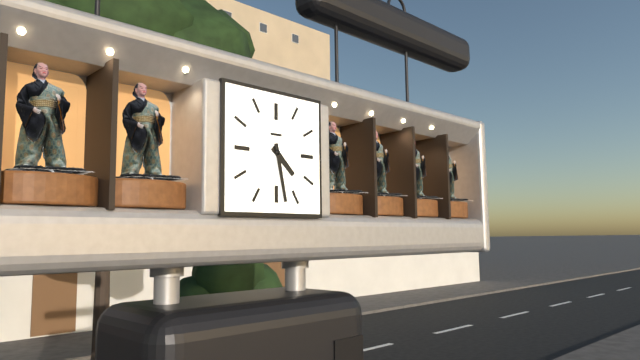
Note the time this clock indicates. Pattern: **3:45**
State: **4:28**
